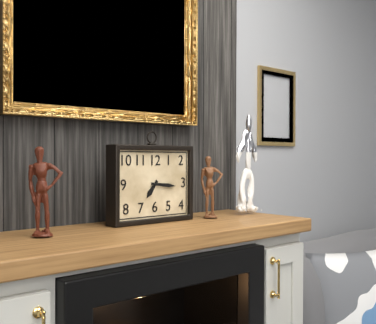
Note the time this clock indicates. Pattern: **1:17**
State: **7:16**
